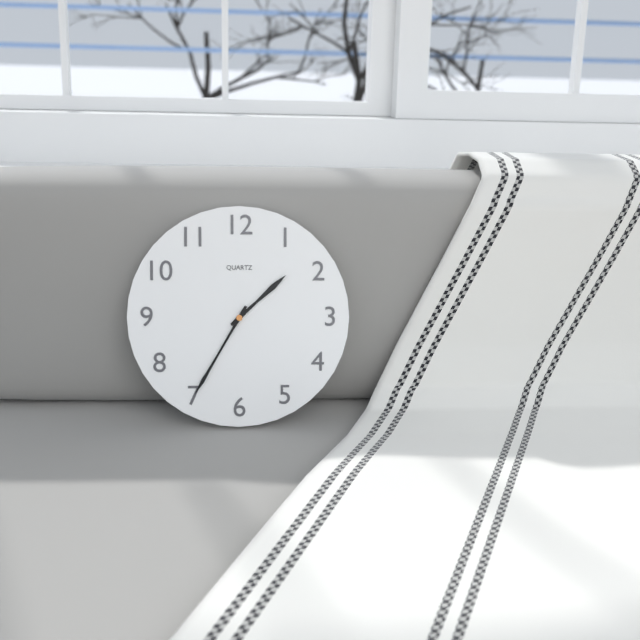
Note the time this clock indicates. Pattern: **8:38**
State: **1:35**
